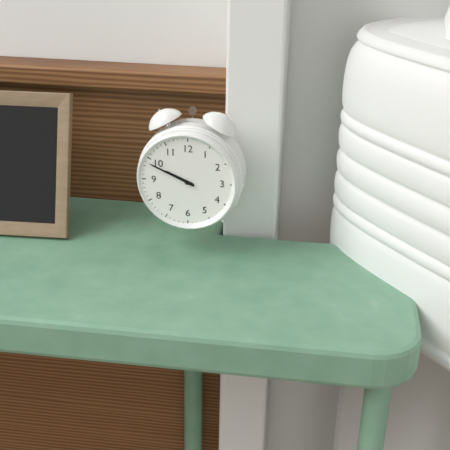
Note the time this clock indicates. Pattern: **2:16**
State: **9:49**
